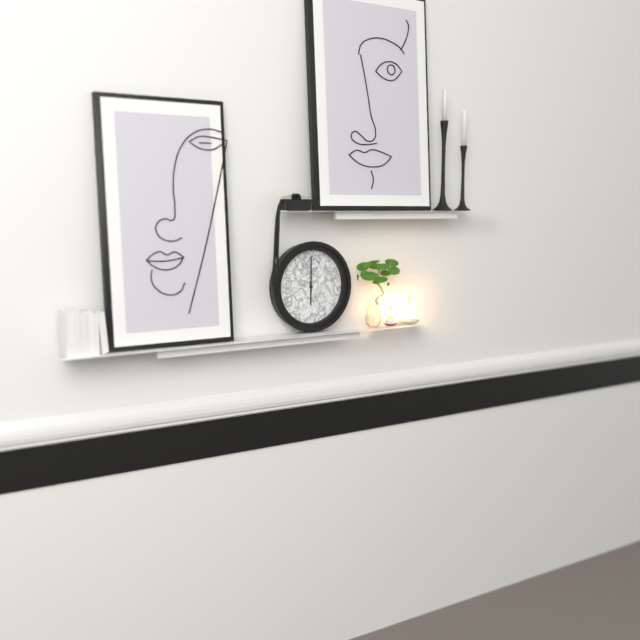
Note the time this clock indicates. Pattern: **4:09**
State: **6:00**
